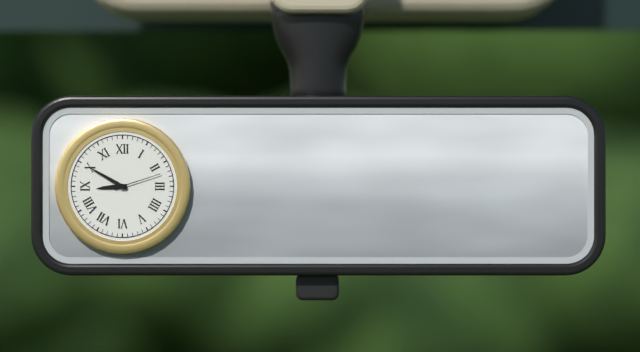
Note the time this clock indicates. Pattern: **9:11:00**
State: **8:50:12**
